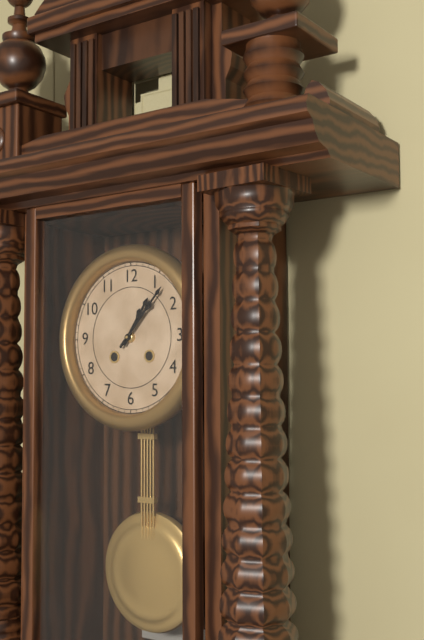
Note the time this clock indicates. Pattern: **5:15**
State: **1:07**
